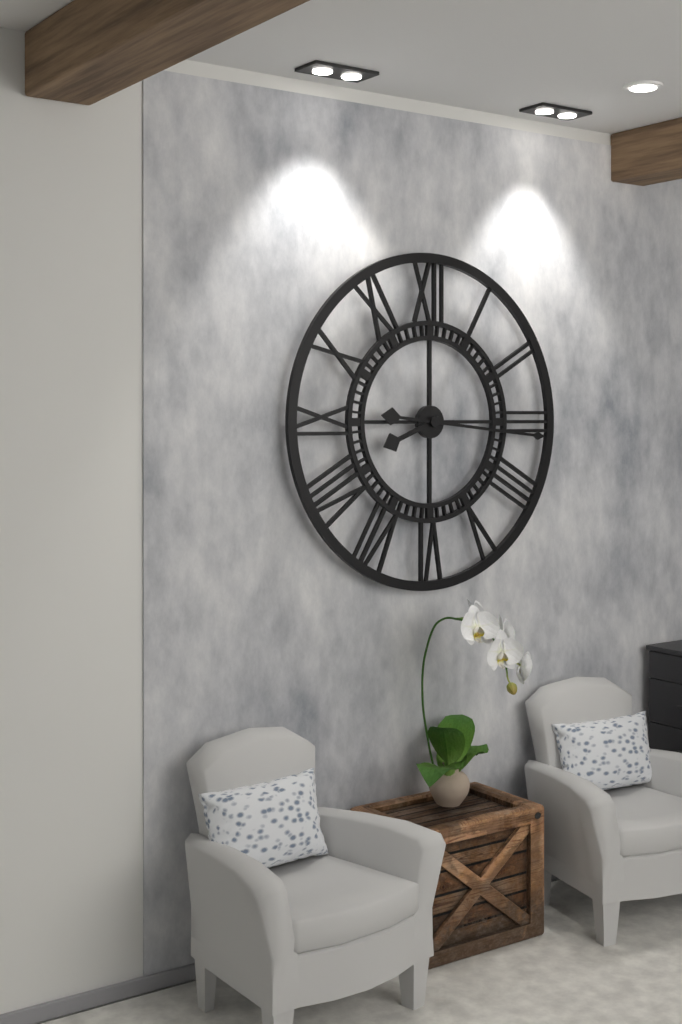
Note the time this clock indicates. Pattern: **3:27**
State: **8:16**
